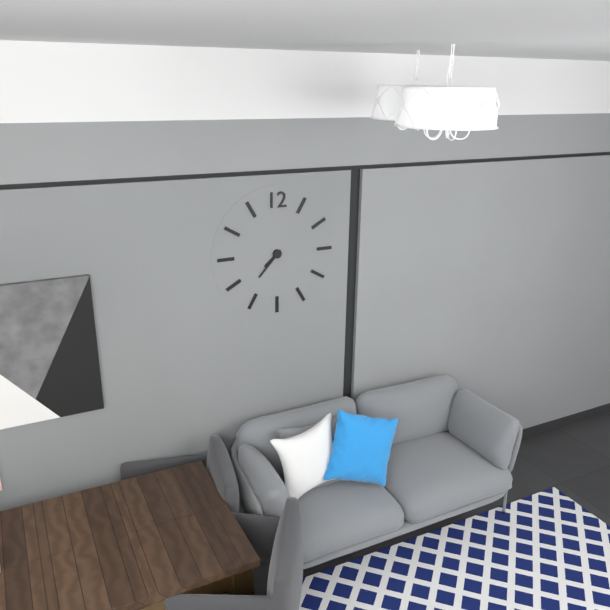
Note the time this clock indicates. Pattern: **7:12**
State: **7:37**
